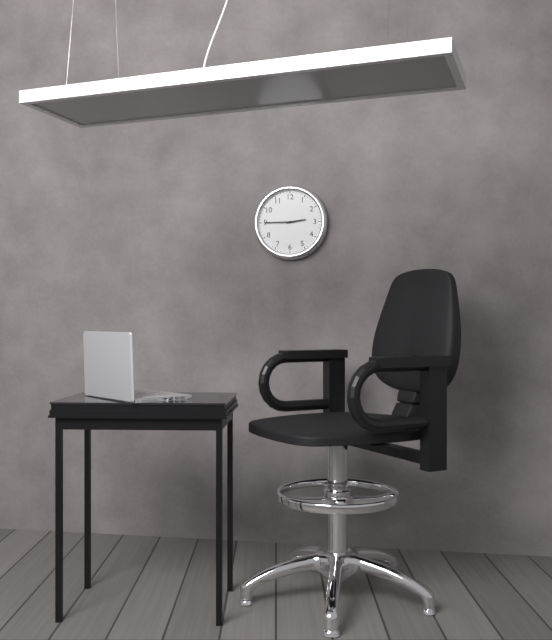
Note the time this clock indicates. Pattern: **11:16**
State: **2:45**
